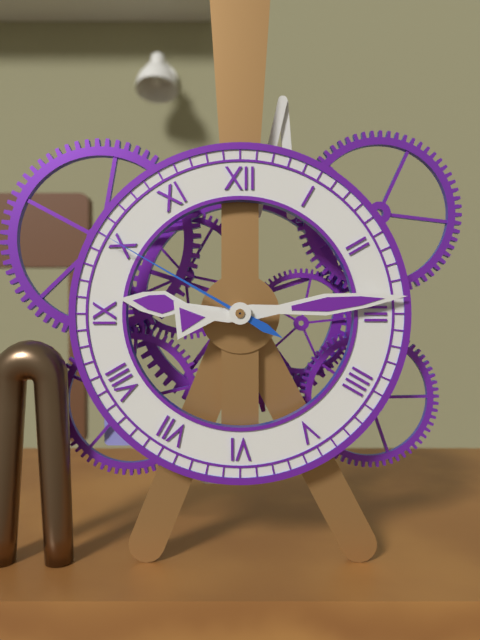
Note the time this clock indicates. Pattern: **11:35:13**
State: **9:14:50**
